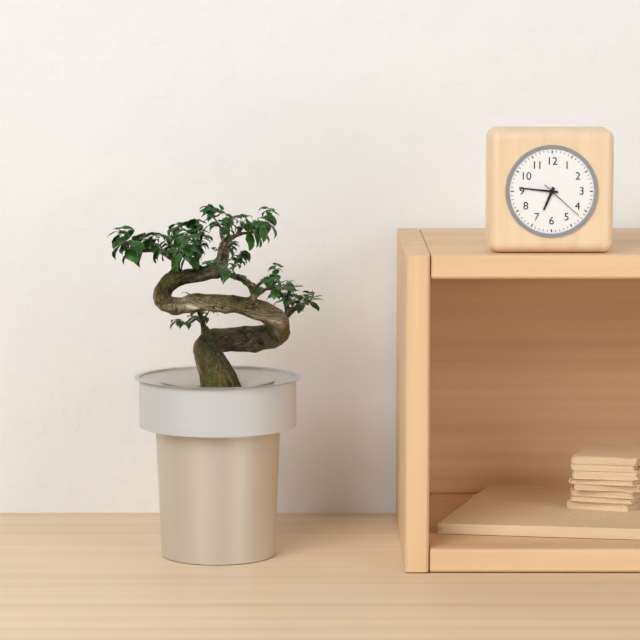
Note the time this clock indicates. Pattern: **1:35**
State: **6:46**
